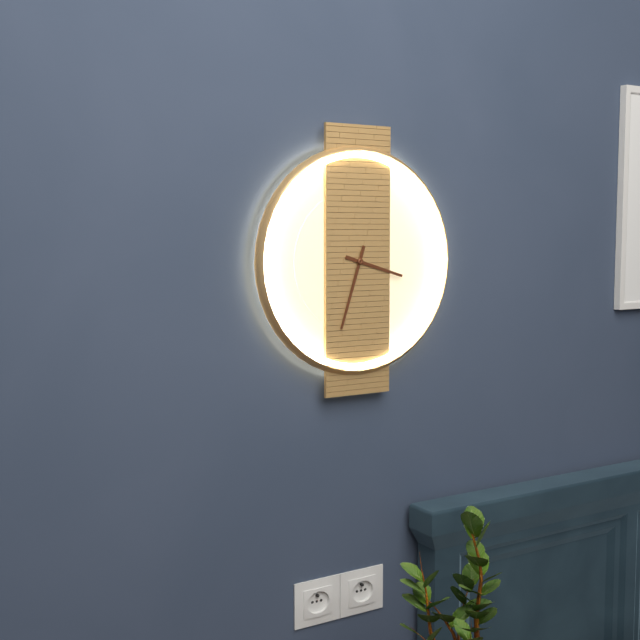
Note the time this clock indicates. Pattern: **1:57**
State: **3:33**
